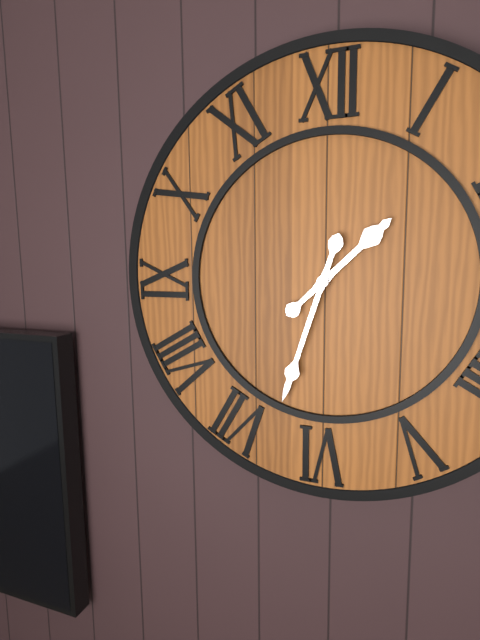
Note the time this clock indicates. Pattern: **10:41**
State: **1:33**
